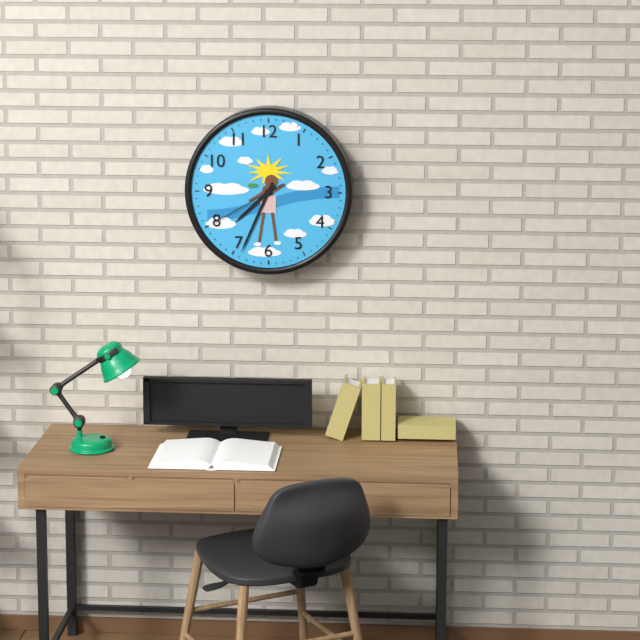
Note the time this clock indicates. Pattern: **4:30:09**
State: **7:34:40**
